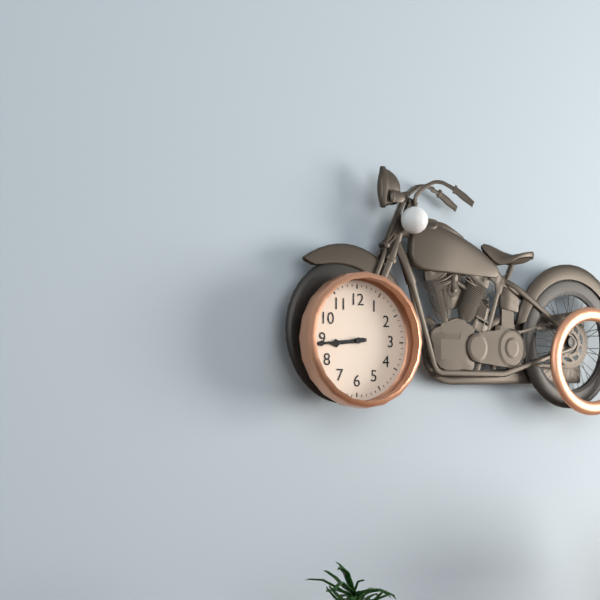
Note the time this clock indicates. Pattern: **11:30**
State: **8:44**
